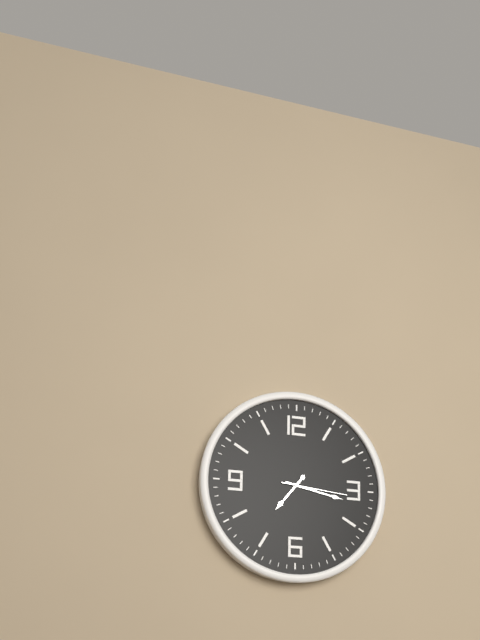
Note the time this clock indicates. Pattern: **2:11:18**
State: **7:17:16**
